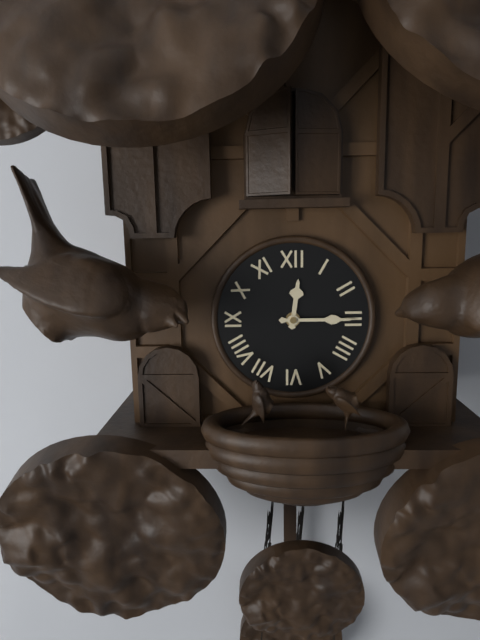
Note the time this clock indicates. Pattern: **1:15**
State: **12:15**
